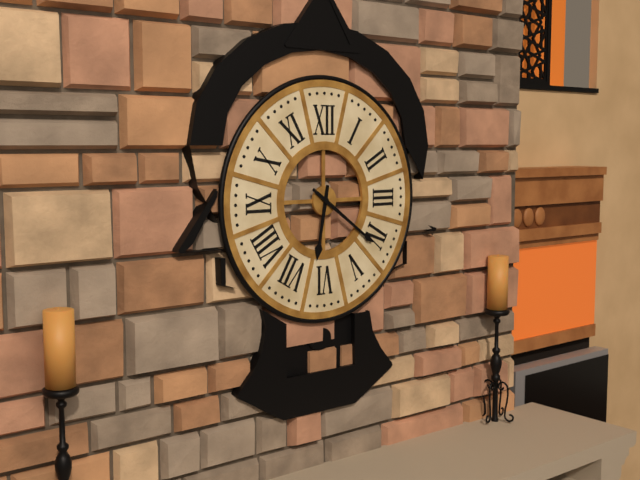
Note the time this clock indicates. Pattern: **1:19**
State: **6:21**
